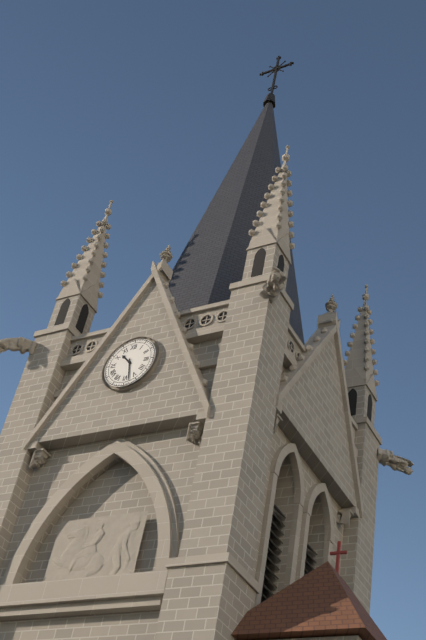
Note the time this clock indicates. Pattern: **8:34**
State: **10:28**
